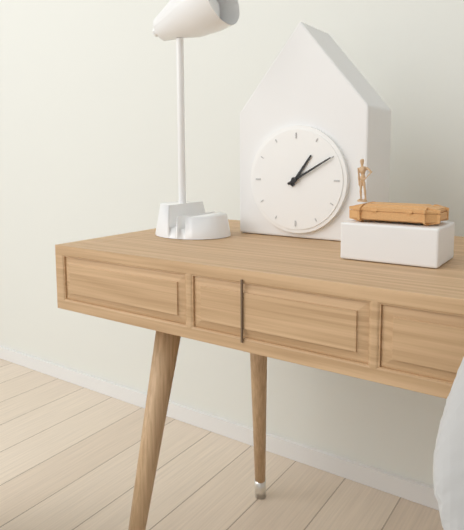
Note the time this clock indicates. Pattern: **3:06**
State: **1:10**
